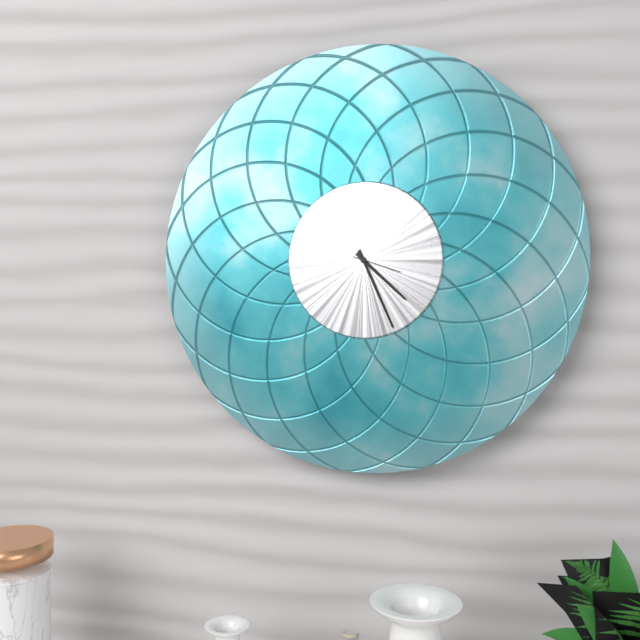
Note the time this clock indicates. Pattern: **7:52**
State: **4:26**
